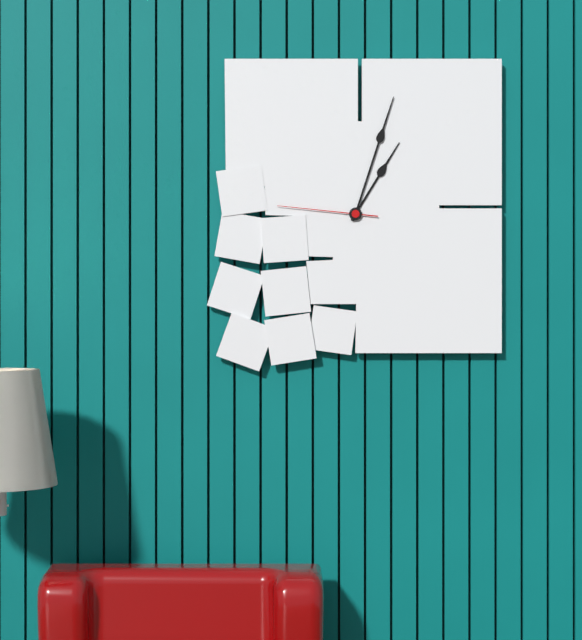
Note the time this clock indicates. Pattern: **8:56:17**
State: **1:03:46**
